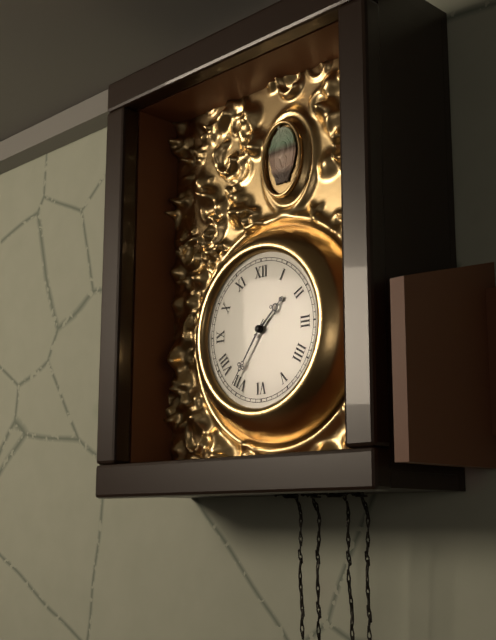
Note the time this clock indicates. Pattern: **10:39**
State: **1:36**
